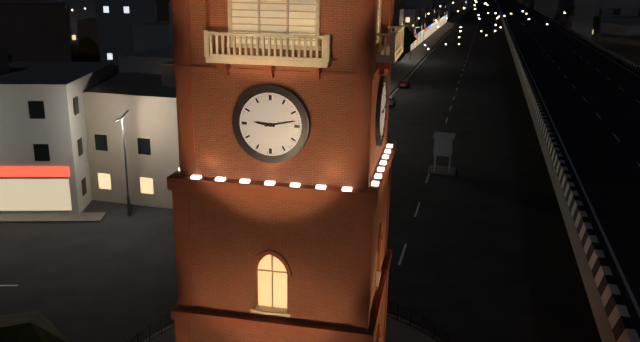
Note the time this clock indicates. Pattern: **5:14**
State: **9:13**
